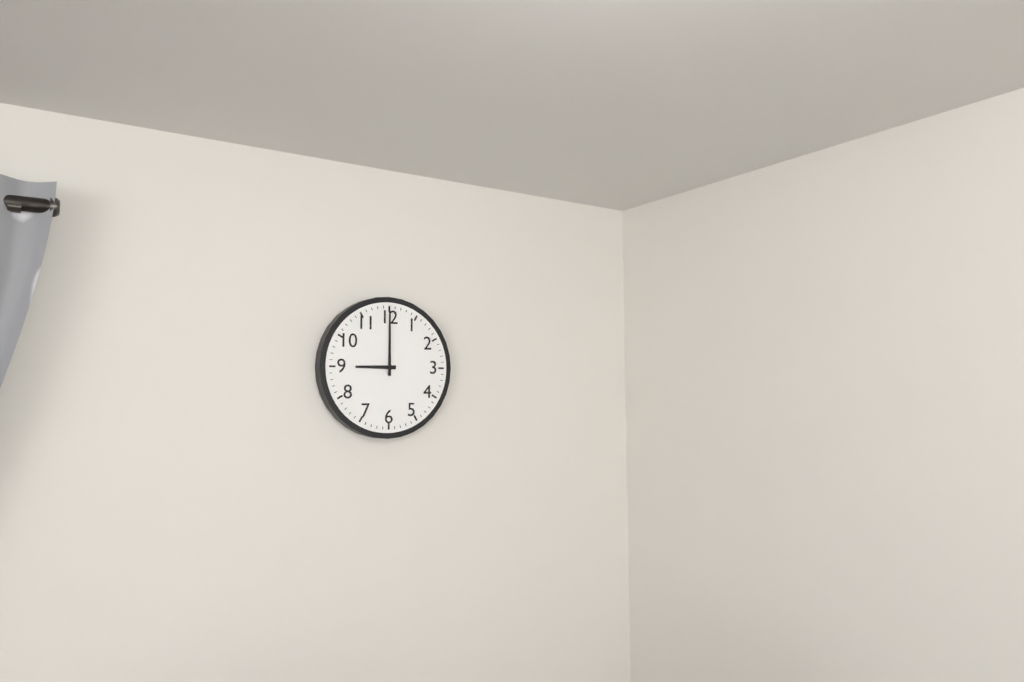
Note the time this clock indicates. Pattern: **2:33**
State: **9:00**
